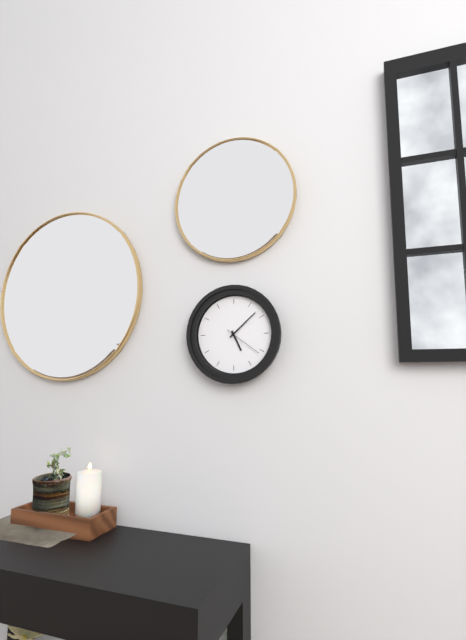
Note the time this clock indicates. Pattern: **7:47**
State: **5:08**
